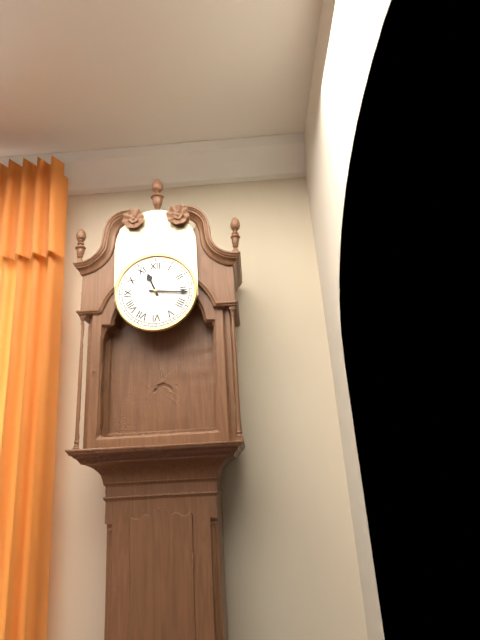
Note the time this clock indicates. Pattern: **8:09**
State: **11:16**
